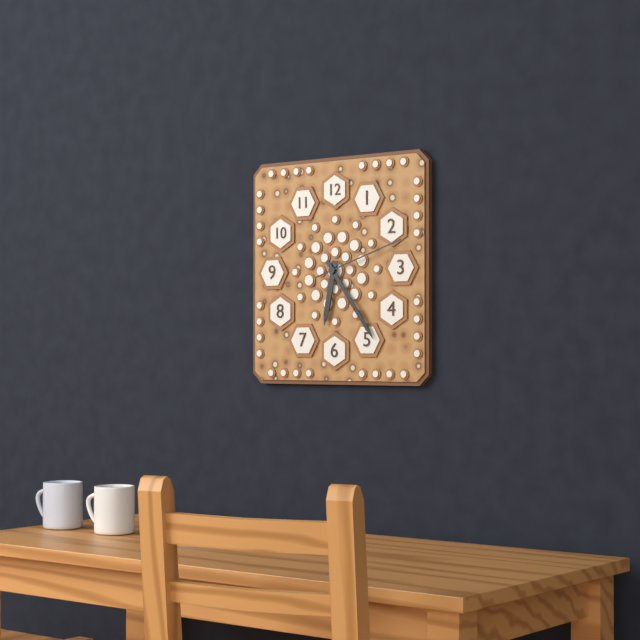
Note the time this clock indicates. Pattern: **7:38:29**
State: **6:24:12**
